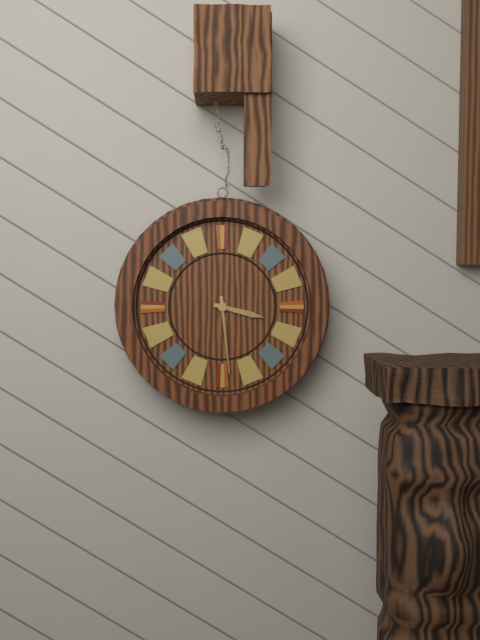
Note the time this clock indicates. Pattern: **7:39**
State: **3:29**
